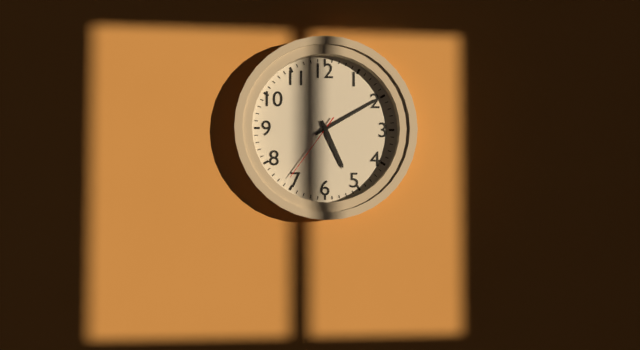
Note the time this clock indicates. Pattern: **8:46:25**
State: **5:10:36**
